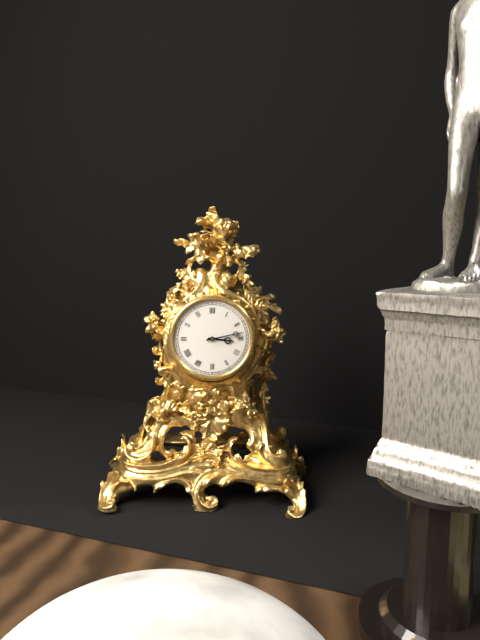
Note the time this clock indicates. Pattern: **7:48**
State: **3:13**
